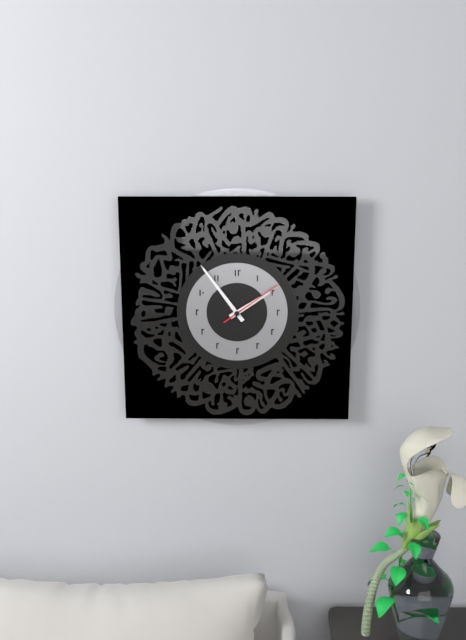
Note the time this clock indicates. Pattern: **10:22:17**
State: **1:54:09**
